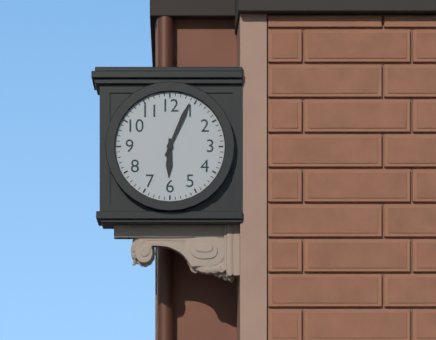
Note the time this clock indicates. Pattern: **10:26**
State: **6:04**
